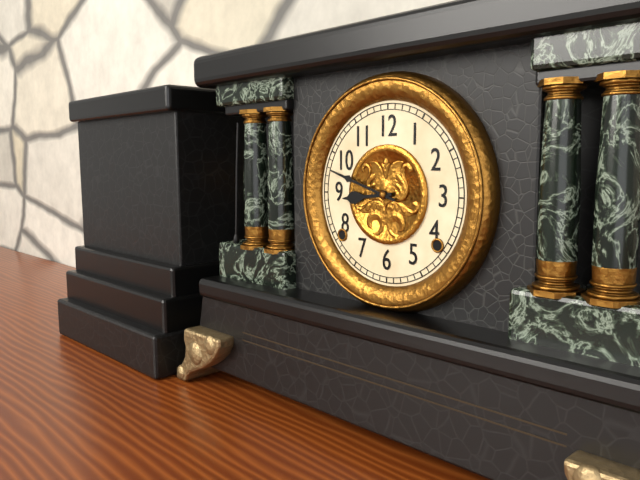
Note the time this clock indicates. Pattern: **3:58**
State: **8:48**
